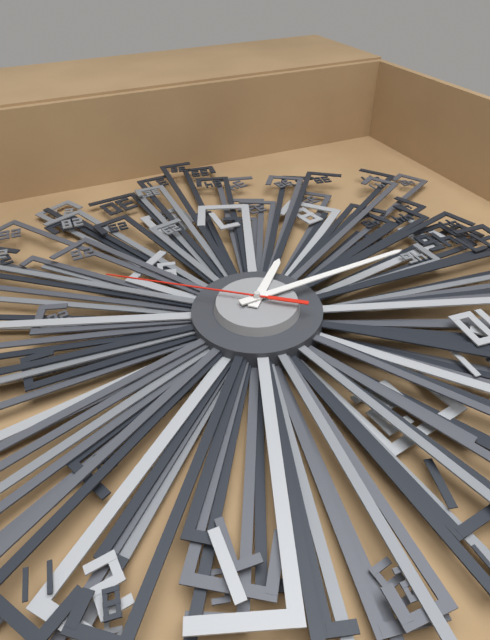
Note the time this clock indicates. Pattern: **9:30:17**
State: **7:46:23**
